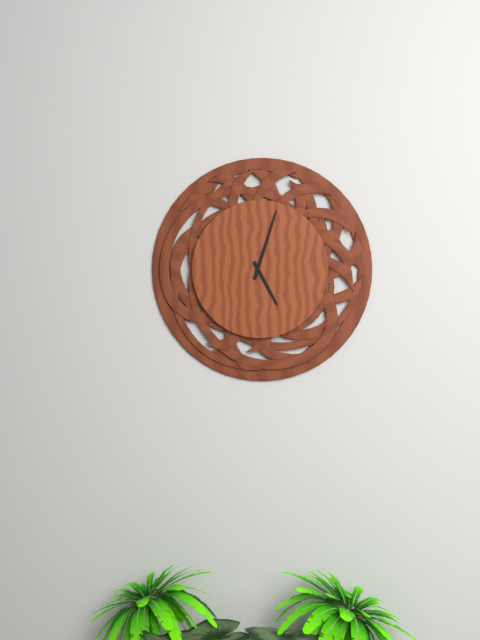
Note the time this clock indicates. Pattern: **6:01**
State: **5:03**
